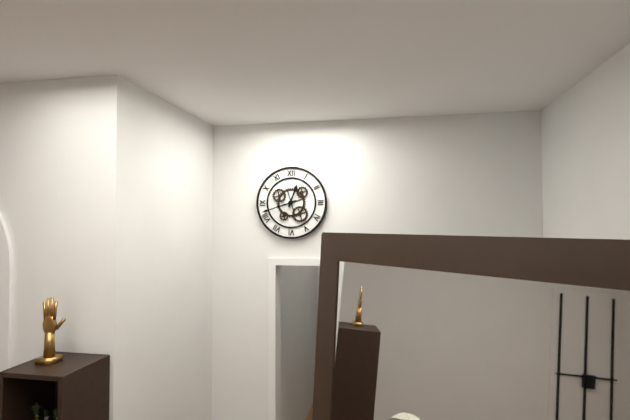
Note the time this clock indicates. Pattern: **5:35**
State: **12:42**
